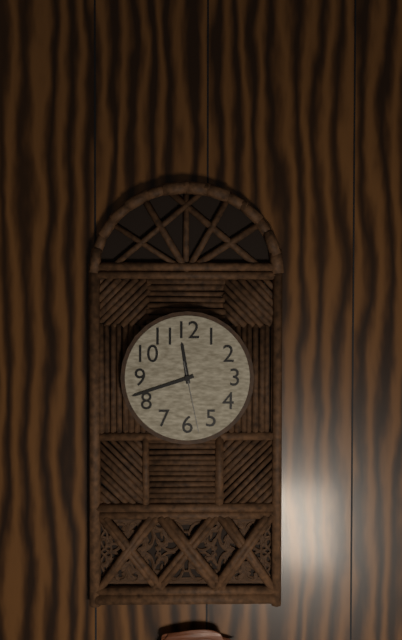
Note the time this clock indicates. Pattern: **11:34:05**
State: **11:42:28**
